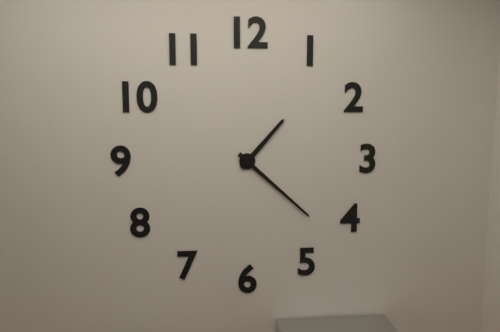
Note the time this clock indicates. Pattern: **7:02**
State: **1:22**
